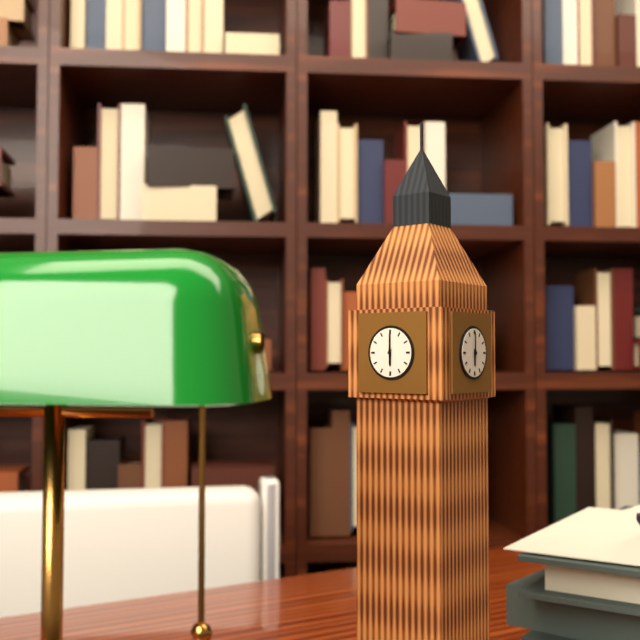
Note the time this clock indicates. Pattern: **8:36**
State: **6:00**
